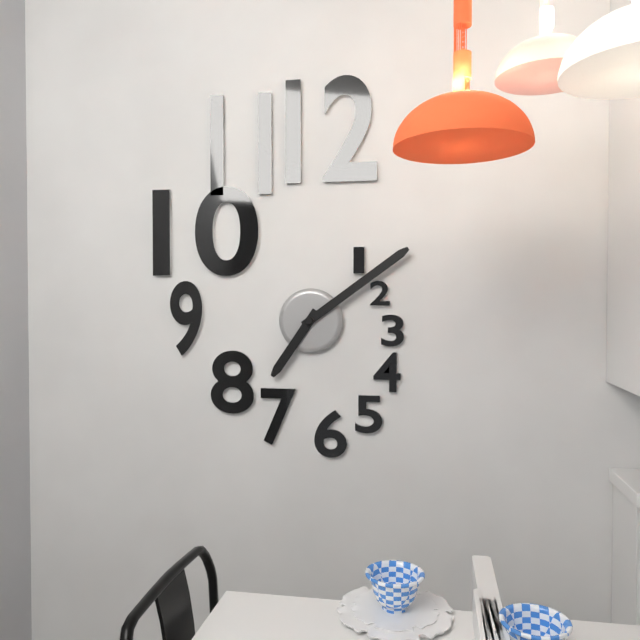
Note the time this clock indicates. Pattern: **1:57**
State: **7:09**
